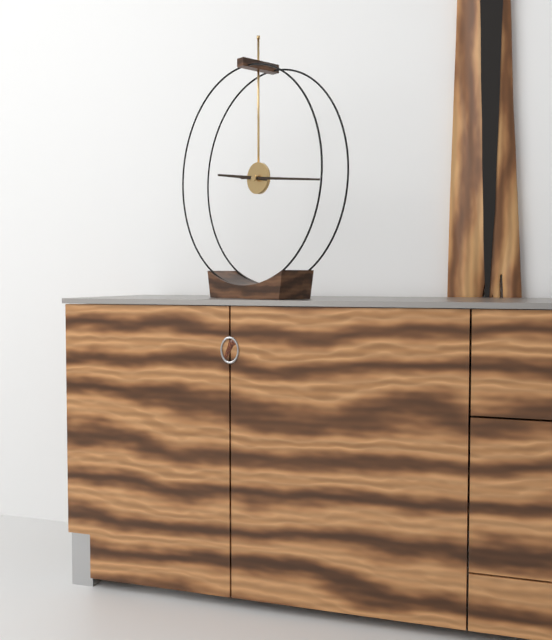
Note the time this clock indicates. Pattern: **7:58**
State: **9:16**
